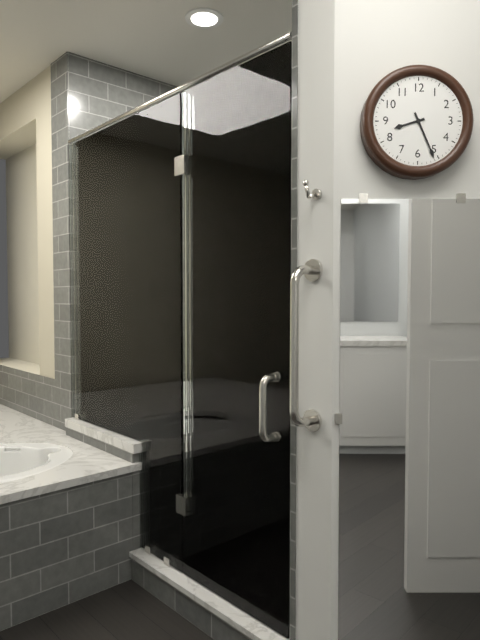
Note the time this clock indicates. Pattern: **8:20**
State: **8:26**
